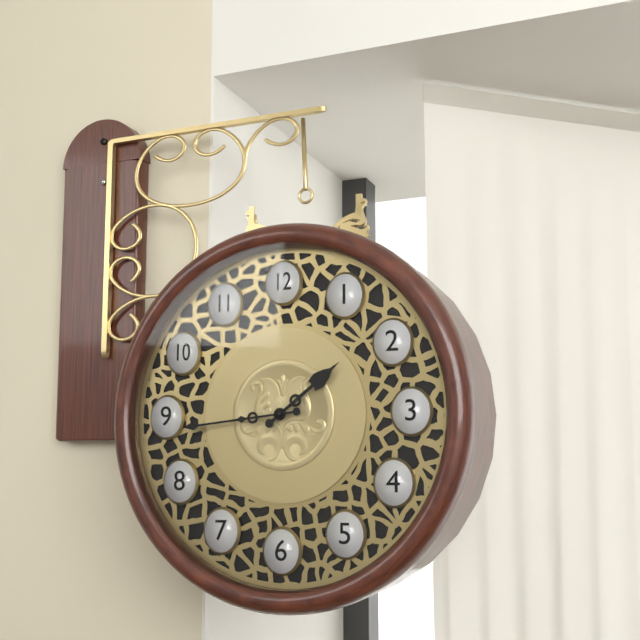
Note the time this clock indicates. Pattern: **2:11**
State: **1:44**
